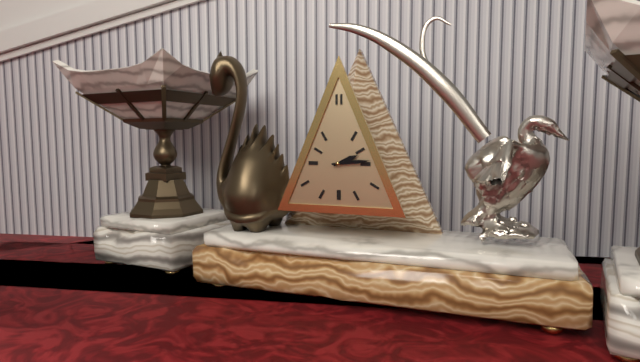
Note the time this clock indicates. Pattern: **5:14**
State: **2:14**
